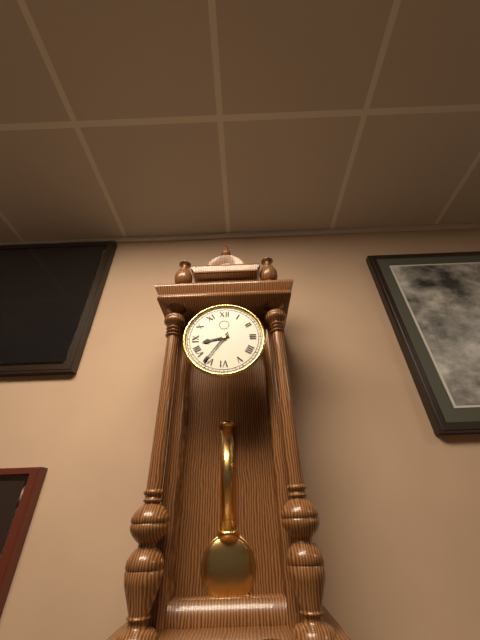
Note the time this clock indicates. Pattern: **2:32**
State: **8:36**
